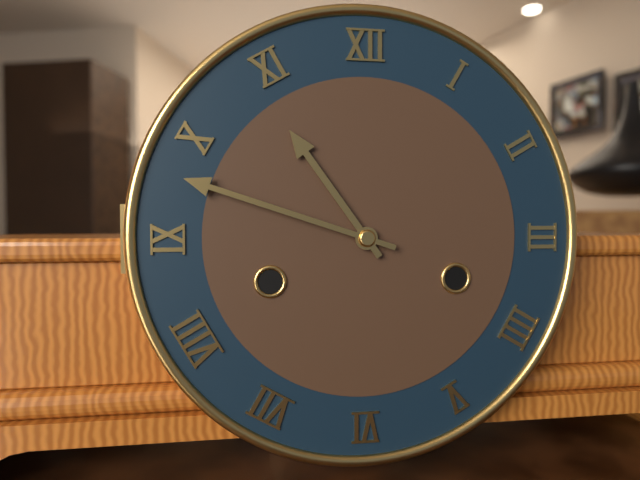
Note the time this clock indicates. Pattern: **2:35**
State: **10:48**
